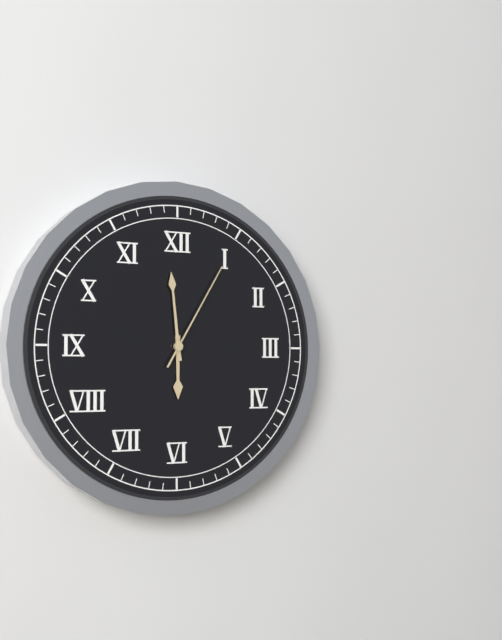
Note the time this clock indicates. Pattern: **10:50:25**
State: **5:59:05**
